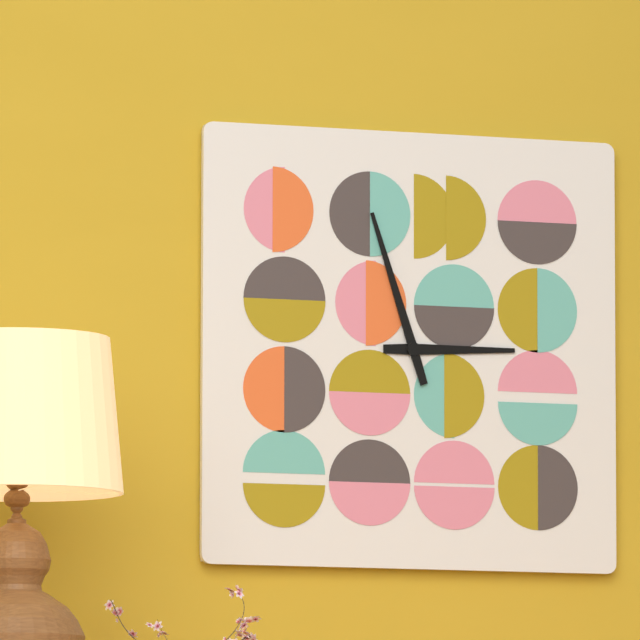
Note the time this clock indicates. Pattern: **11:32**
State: **2:57**
